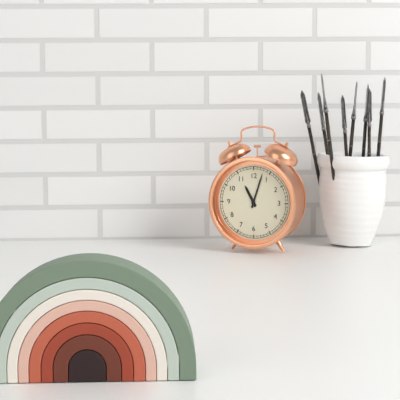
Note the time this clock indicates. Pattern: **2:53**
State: **11:03**
